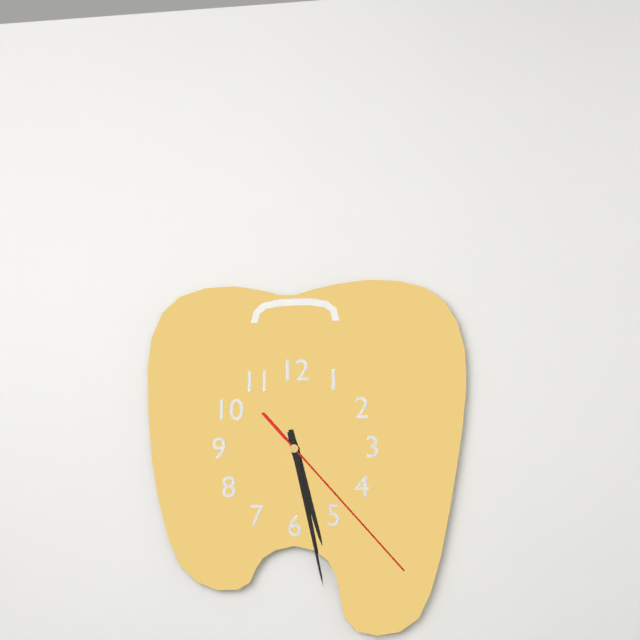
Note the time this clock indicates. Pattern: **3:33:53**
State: **5:28:23**
